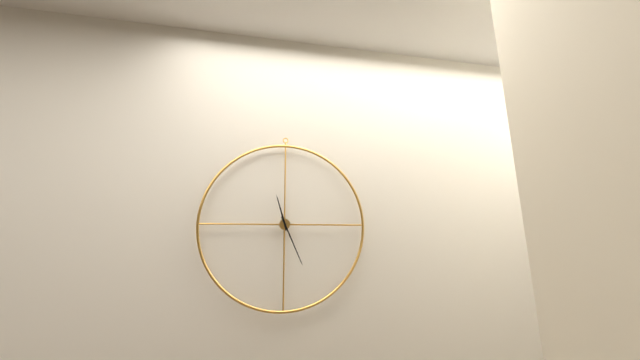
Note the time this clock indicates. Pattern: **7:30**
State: **11:26**
